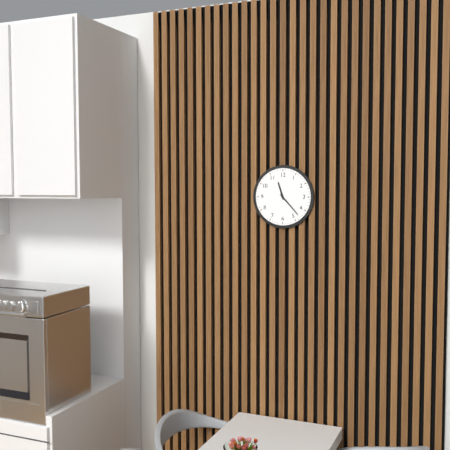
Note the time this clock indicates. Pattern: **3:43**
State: **11:23**
